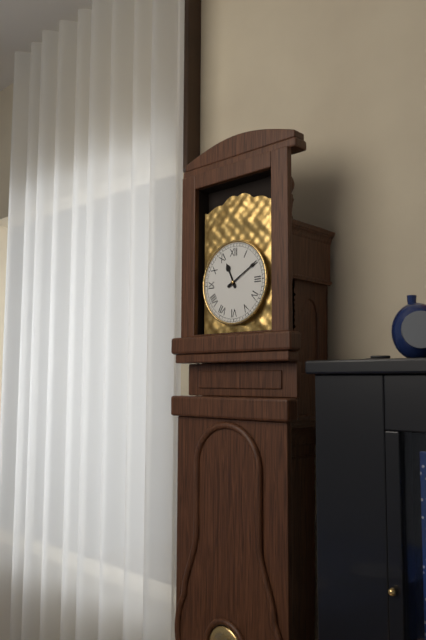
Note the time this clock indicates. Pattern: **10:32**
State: **11:10**
